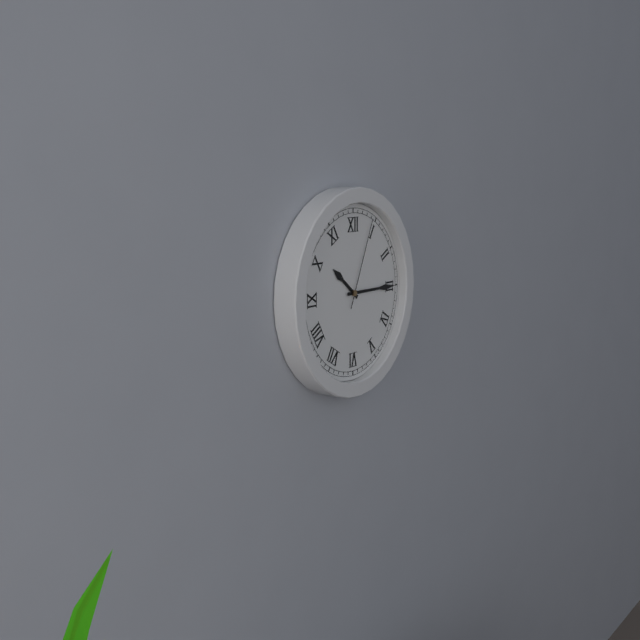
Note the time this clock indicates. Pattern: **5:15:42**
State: **10:15:04**
